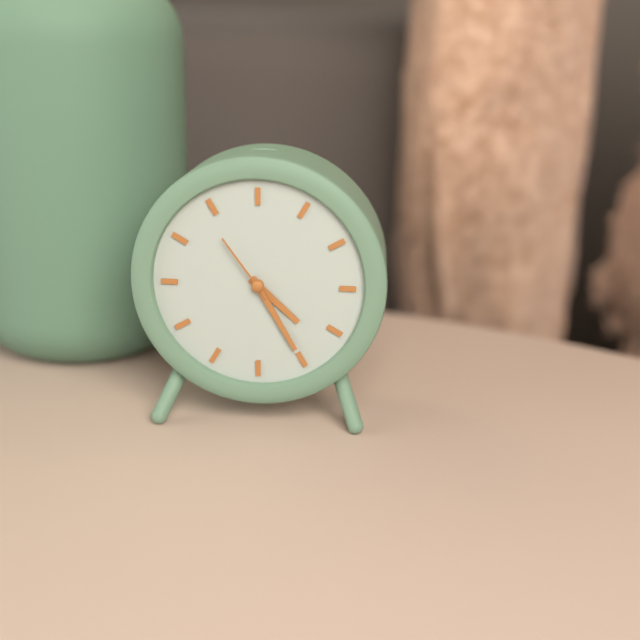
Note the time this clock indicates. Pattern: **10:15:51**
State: **4:25:54**
